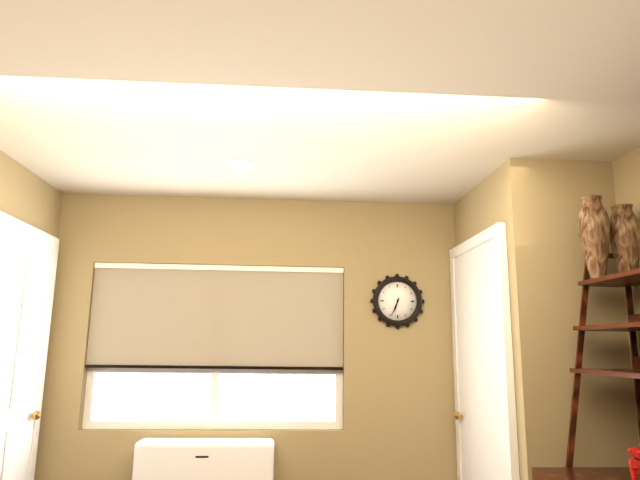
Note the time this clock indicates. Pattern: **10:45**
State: **6:34**
